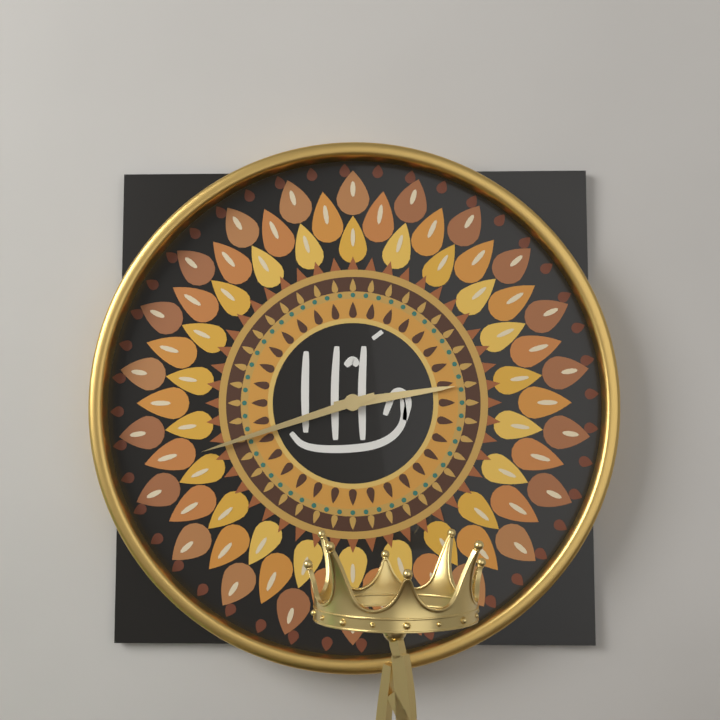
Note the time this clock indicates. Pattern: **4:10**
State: **2:42**
